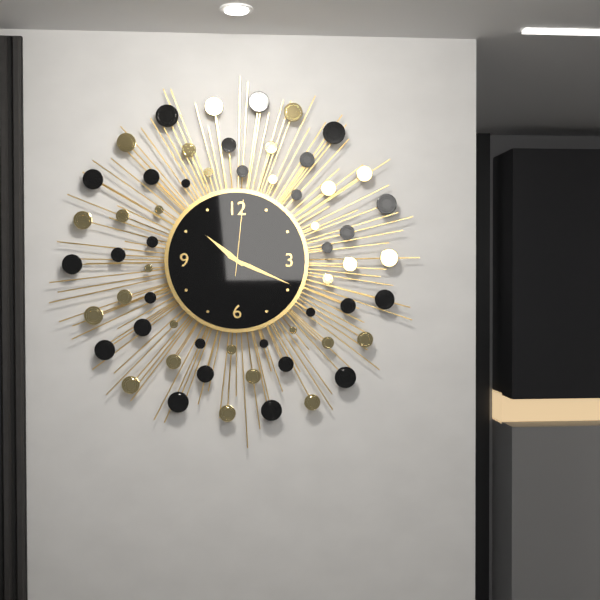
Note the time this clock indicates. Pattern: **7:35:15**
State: **10:19:01**
